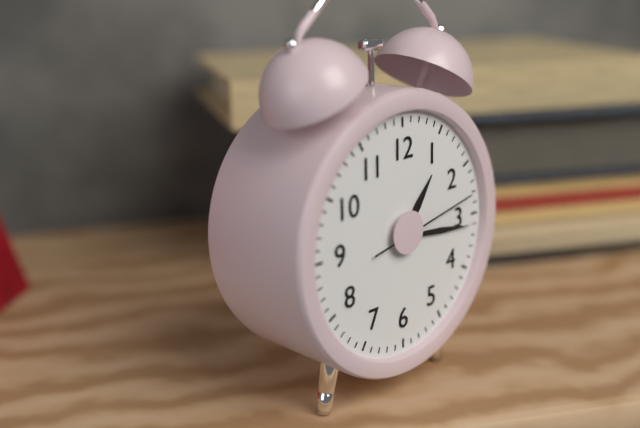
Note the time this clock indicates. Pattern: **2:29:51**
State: **1:16:13**
